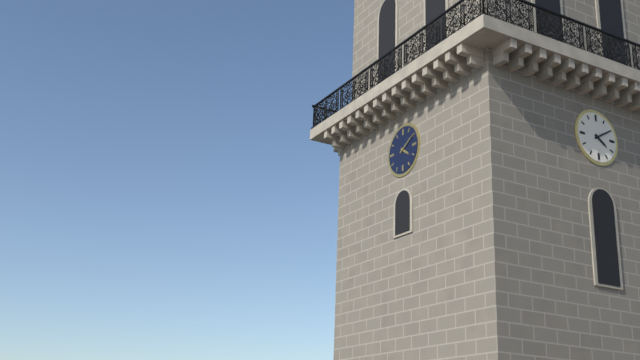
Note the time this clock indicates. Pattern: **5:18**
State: **4:10**
